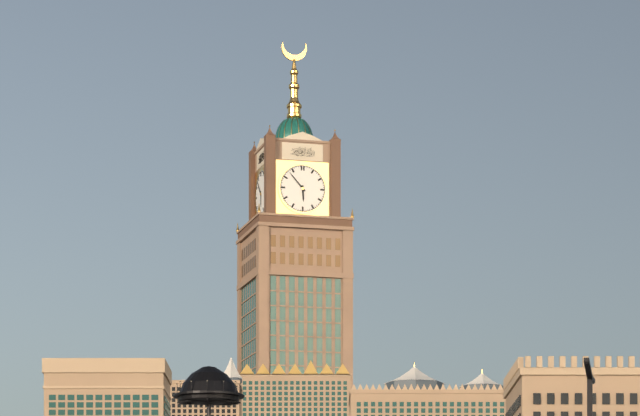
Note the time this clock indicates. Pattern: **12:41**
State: **5:53**
